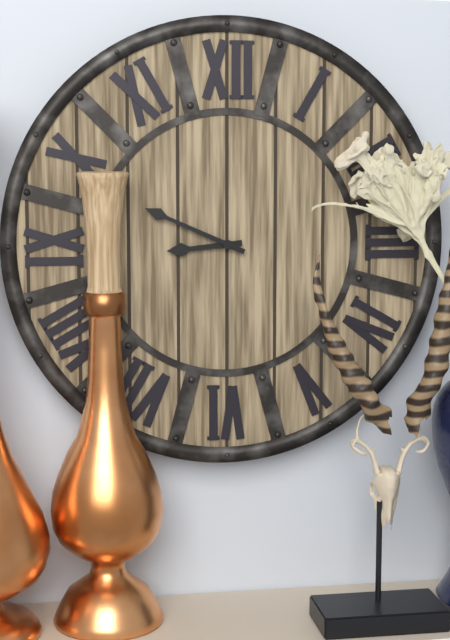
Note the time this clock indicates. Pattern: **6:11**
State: **8:49**
